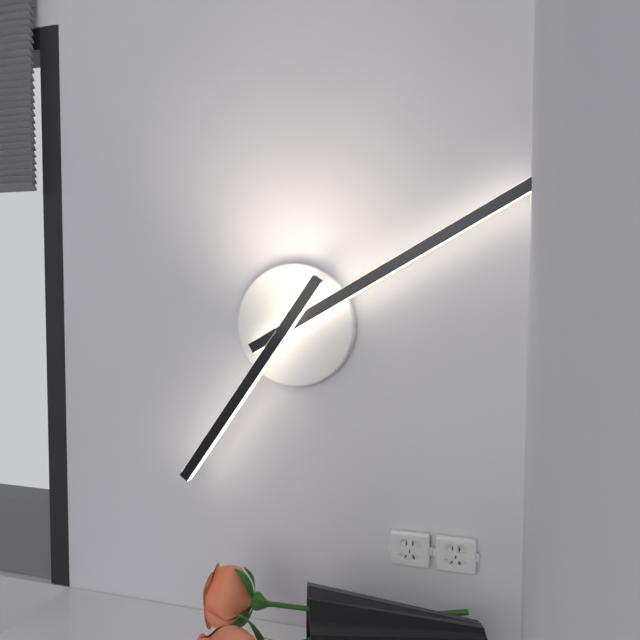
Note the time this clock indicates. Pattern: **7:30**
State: **7:10**
